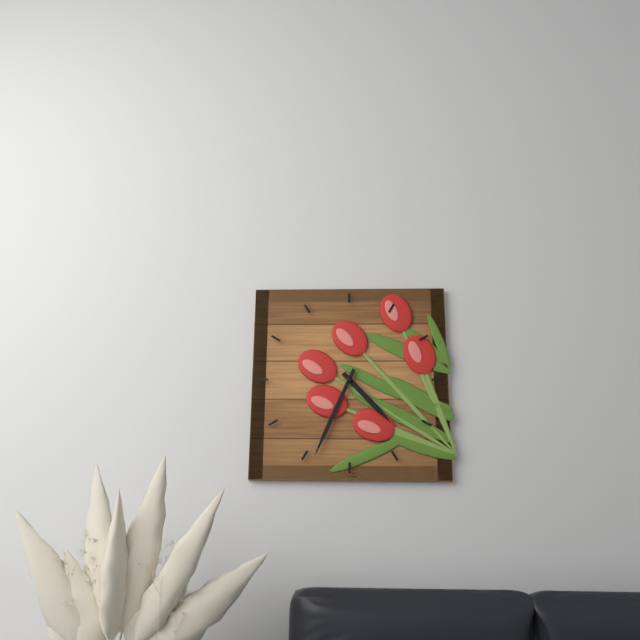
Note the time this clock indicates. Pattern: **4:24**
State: **4:34**
